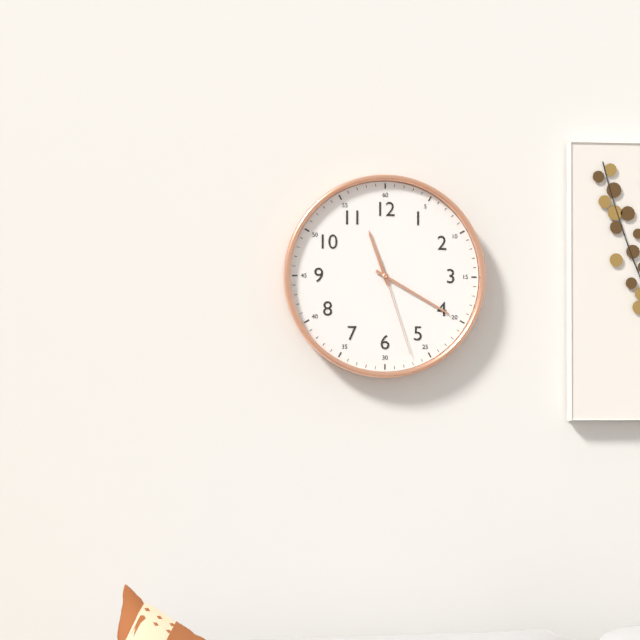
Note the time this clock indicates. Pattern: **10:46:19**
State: **11:20:27**
